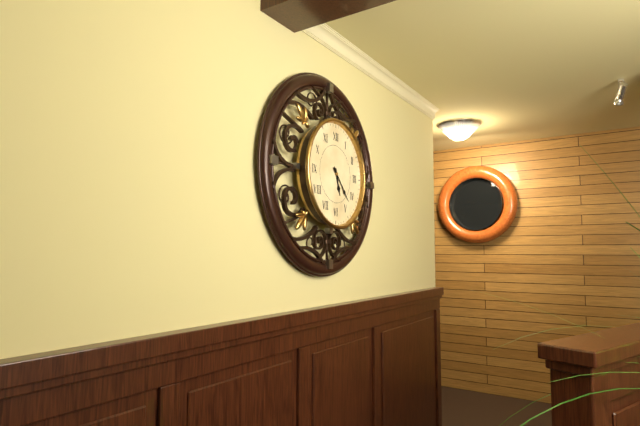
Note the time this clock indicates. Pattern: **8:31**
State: **5:23**
